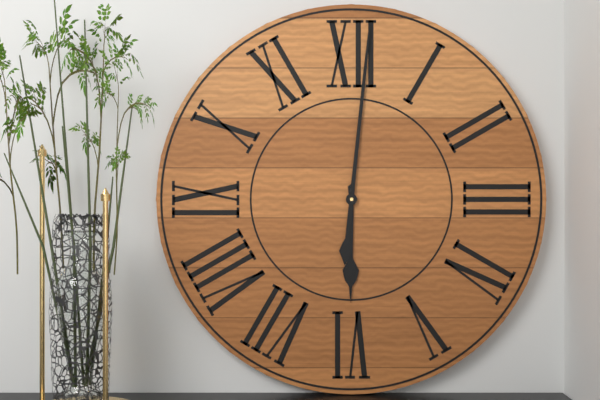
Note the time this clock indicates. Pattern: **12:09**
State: **6:01**
